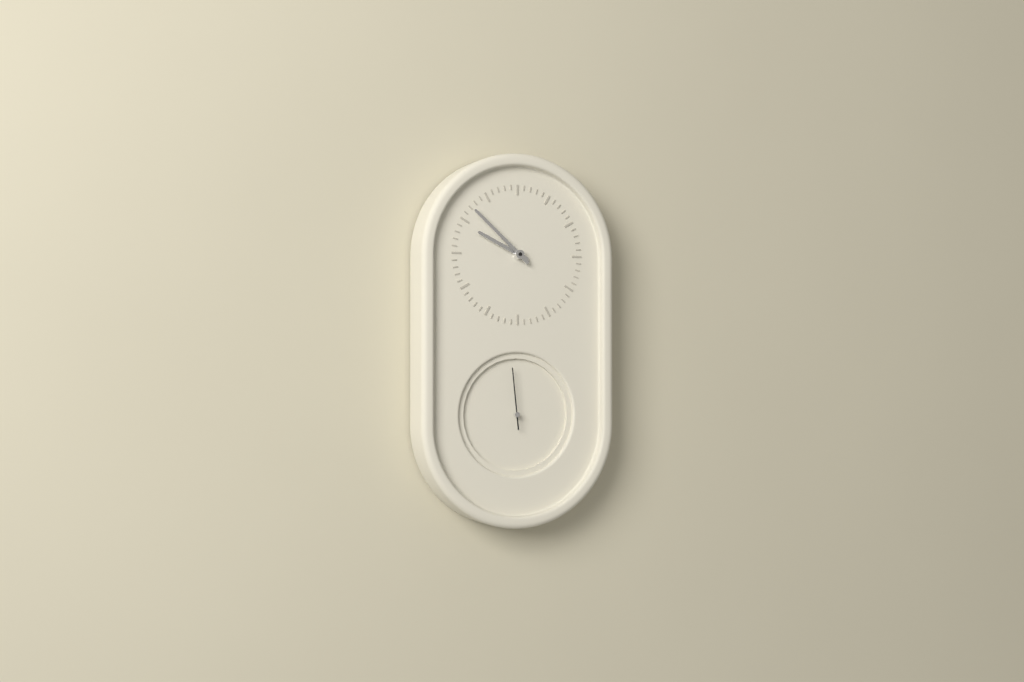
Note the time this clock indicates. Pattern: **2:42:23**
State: **9:52:59**
